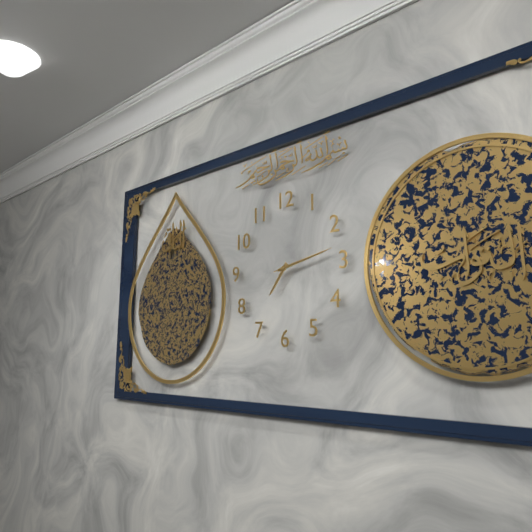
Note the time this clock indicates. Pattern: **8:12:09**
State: **7:13:13**
